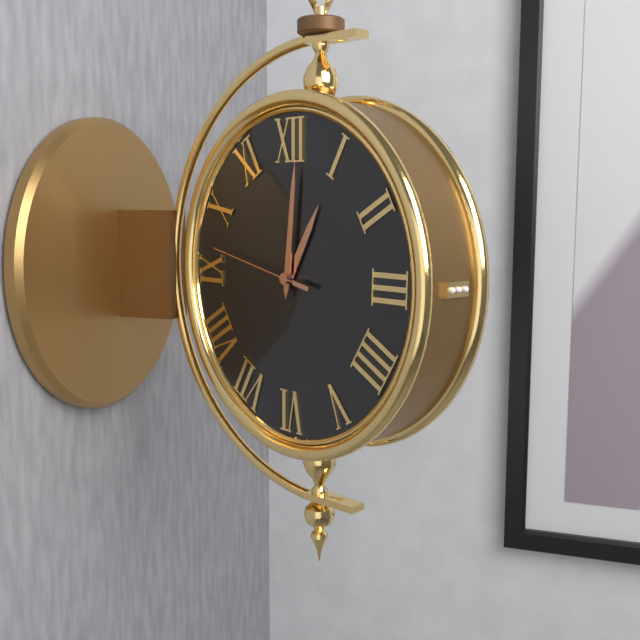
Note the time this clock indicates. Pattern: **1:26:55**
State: **1:01:47**
